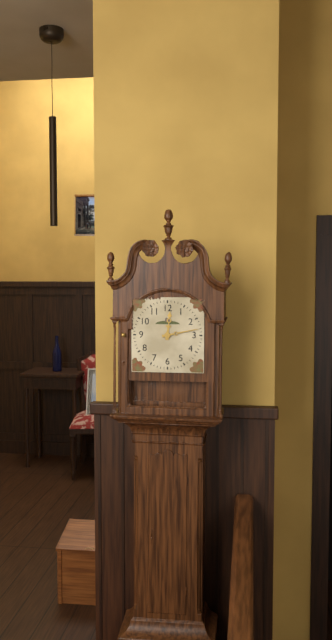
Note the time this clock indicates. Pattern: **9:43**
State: **12:13**
